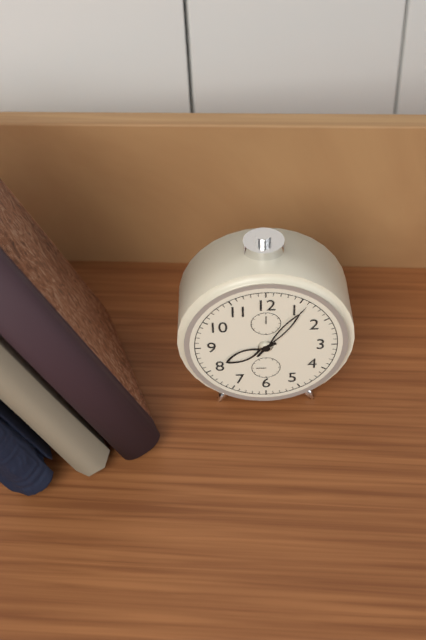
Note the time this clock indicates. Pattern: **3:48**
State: **8:06**
